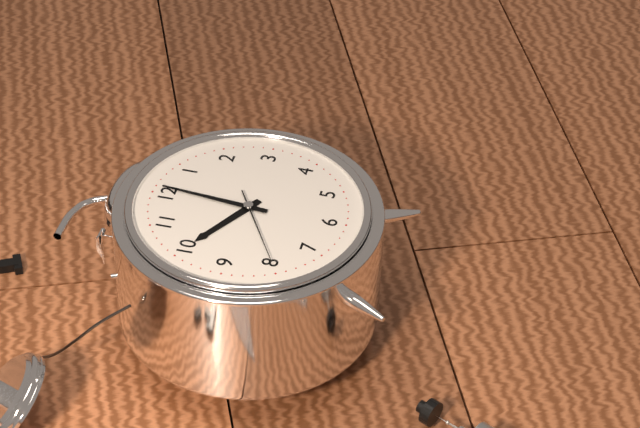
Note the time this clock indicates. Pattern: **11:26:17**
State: **10:01:40**
